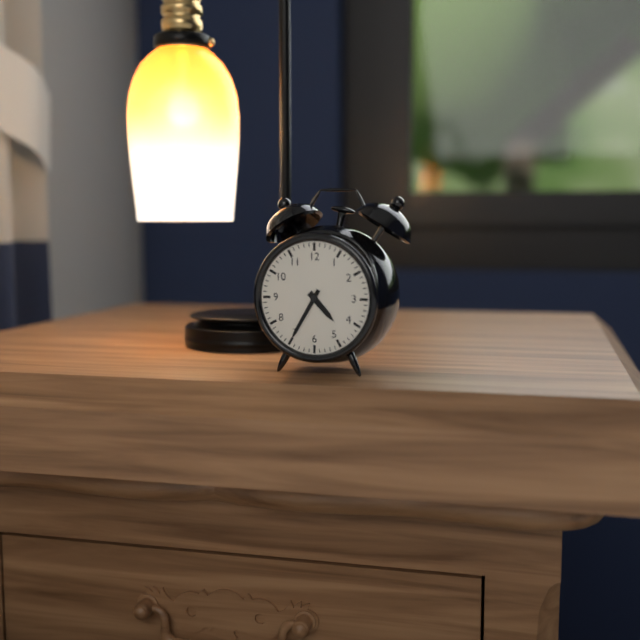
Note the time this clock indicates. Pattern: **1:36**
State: **4:35**
